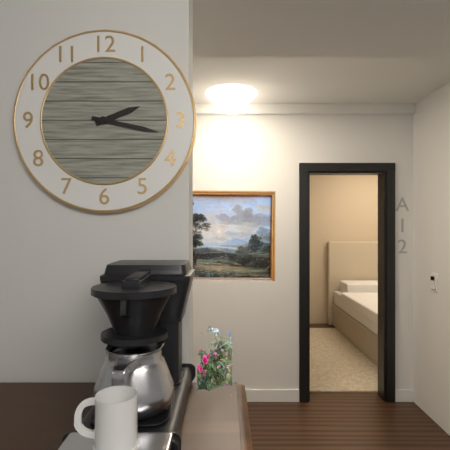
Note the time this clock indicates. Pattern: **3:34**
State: **2:17**
